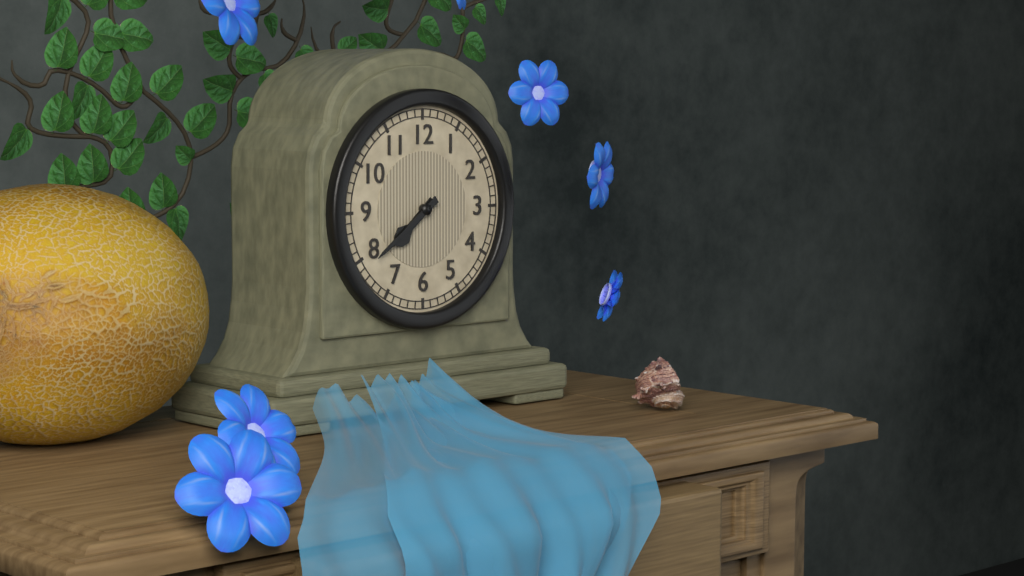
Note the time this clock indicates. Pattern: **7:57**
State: **7:39**
